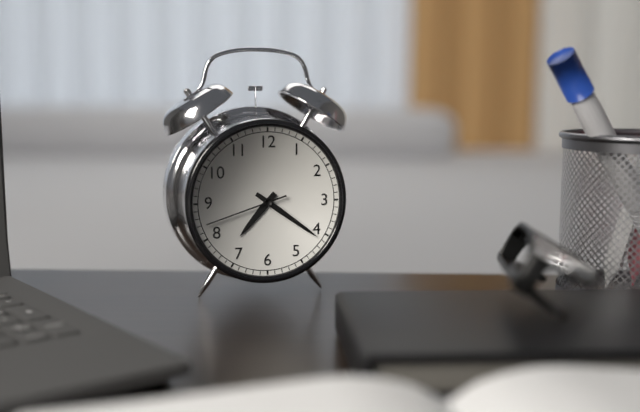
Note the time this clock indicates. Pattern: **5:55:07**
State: **7:21:42**
